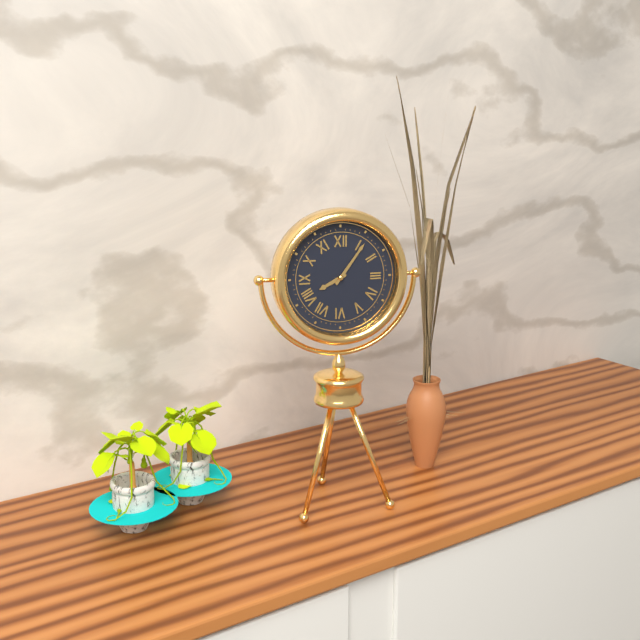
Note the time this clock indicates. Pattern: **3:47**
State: **8:06**
